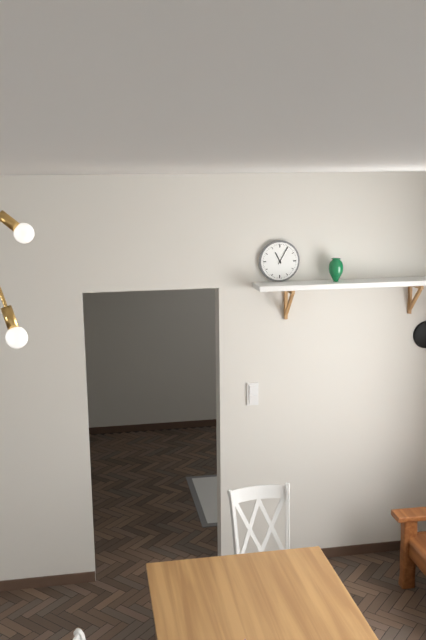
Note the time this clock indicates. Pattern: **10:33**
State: **11:05**
